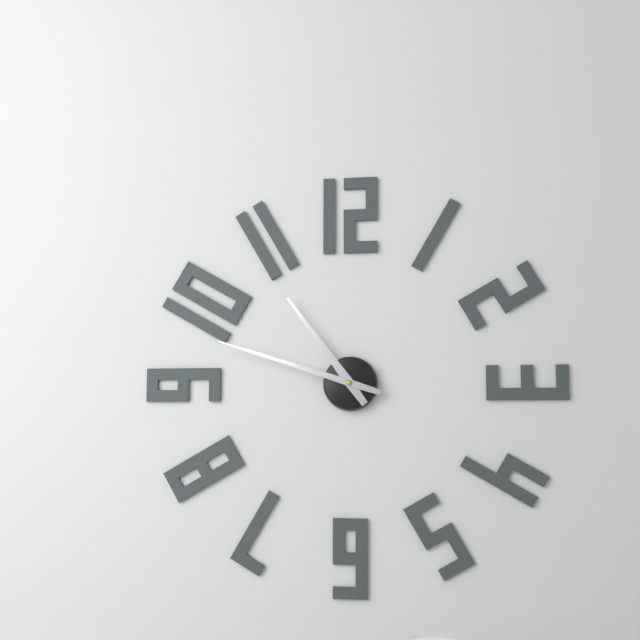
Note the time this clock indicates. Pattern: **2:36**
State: **10:48**
